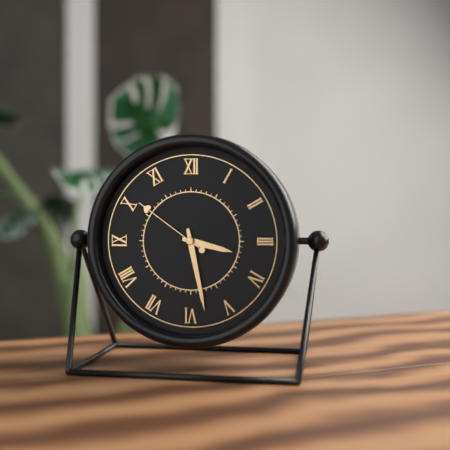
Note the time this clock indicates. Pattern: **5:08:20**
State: **3:28:51**
